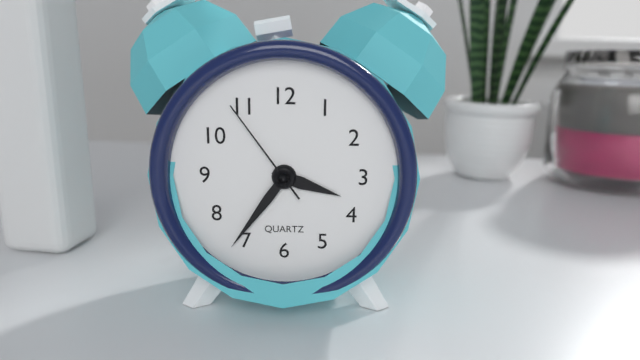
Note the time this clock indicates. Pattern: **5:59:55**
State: **3:36:54**
